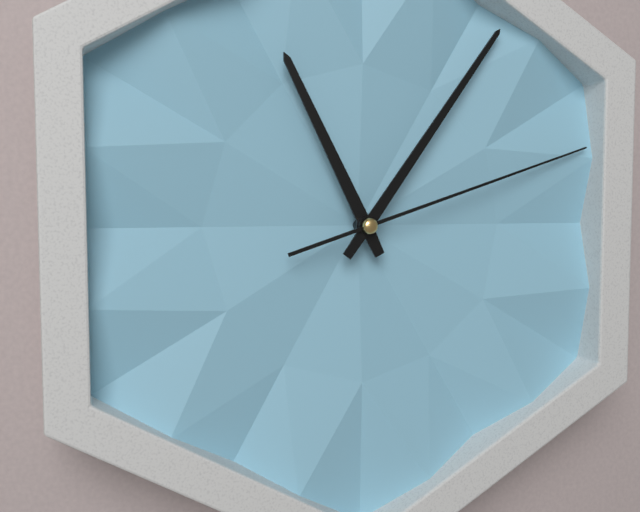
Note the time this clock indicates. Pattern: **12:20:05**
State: **11:06:12**
